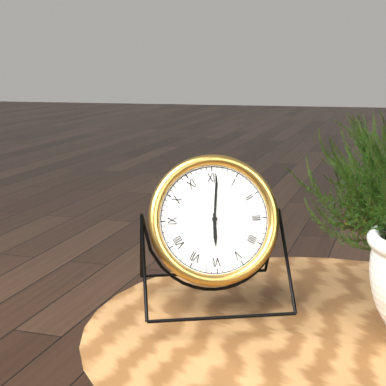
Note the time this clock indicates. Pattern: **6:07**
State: **6:01**
